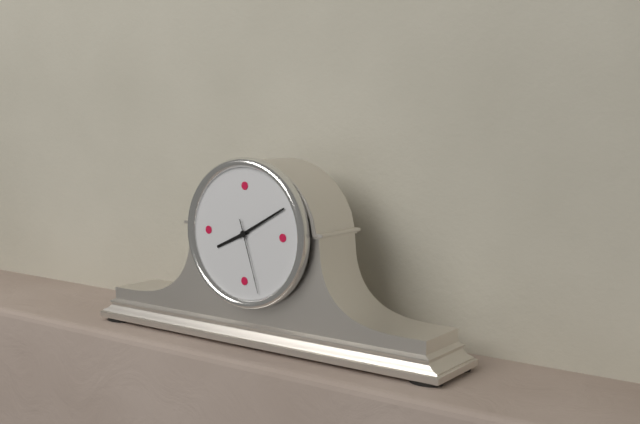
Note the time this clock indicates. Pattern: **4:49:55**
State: **8:10:27**
